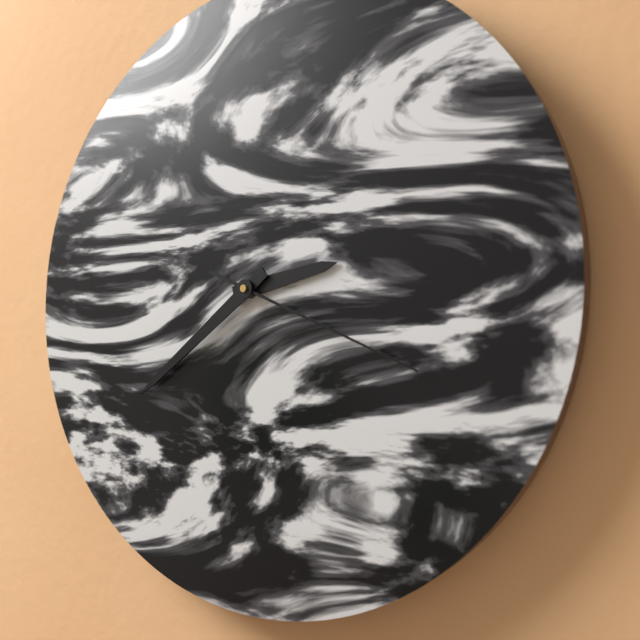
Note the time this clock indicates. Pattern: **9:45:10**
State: **2:39:19**
